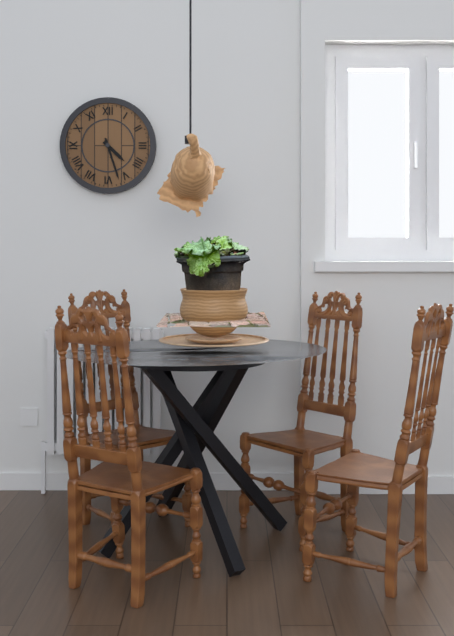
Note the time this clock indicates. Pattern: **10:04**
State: **4:27**
